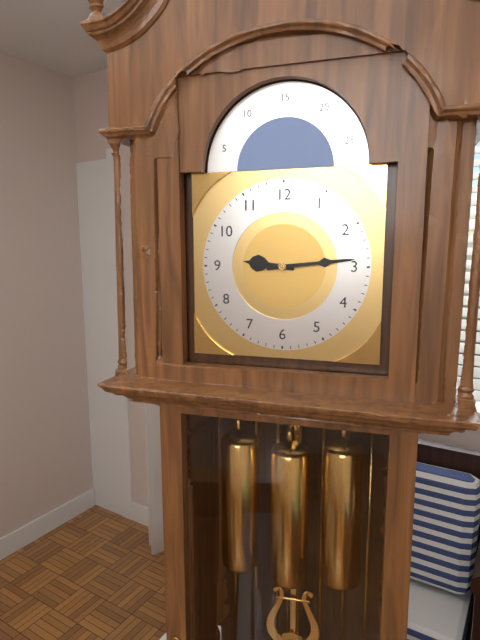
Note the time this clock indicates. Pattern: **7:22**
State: **9:14**
